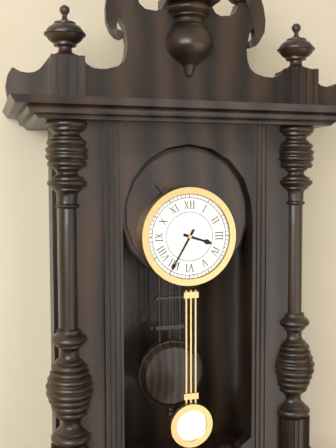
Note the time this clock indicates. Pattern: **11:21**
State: **3:35**
